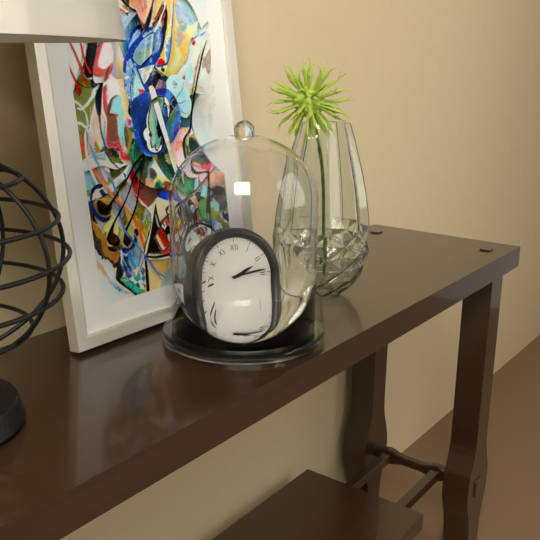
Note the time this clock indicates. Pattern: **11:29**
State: **2:14**
